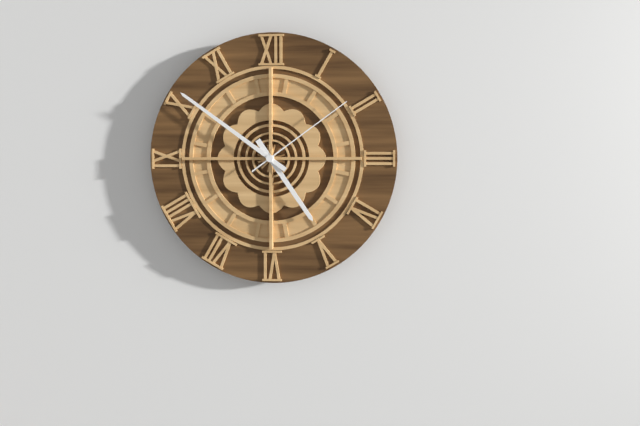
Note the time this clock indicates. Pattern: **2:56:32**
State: **4:51:09**
